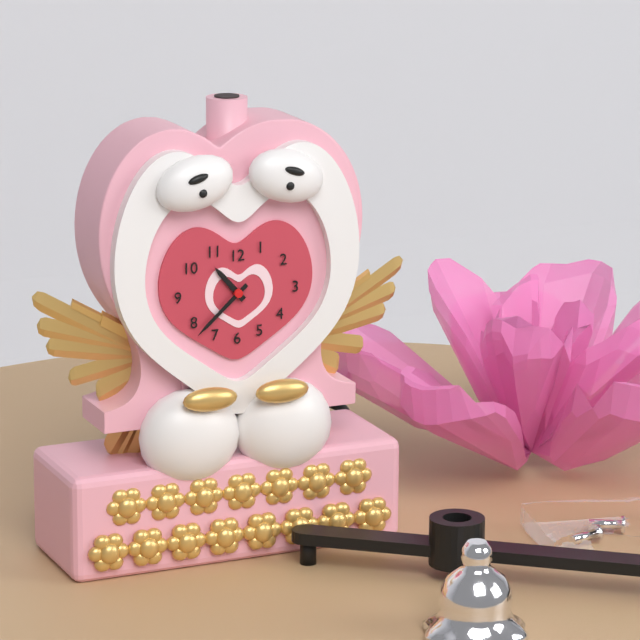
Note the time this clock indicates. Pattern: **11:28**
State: **10:38**
